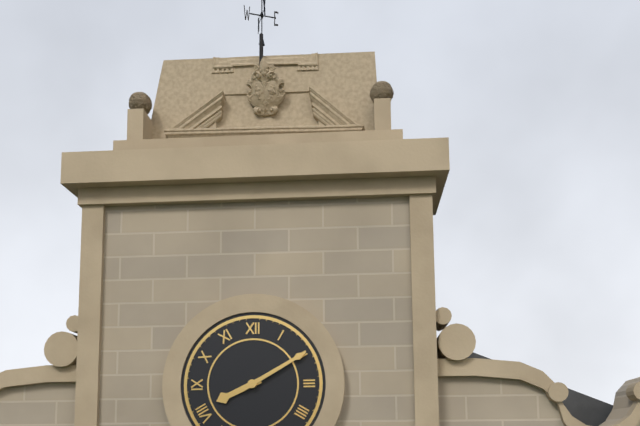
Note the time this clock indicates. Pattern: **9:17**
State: **8:10**
